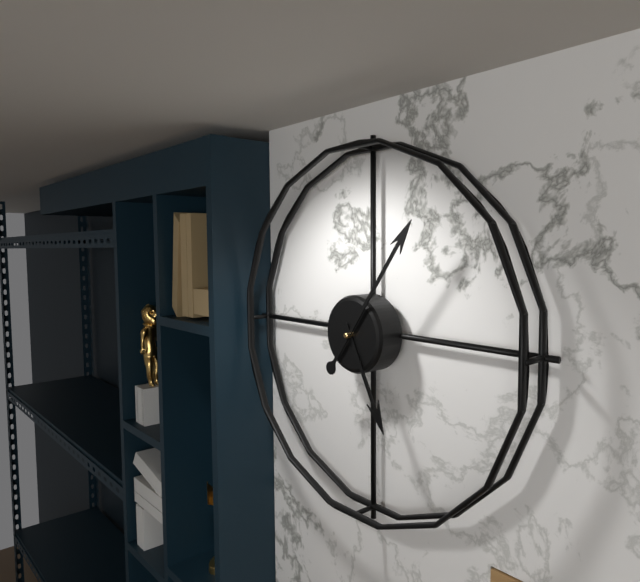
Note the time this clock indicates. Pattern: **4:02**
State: **5:06**
